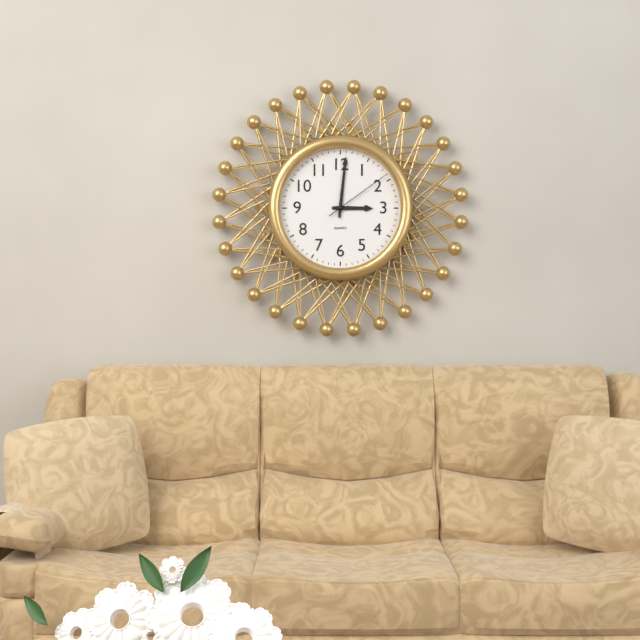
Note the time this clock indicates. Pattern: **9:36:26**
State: **3:01:09**
